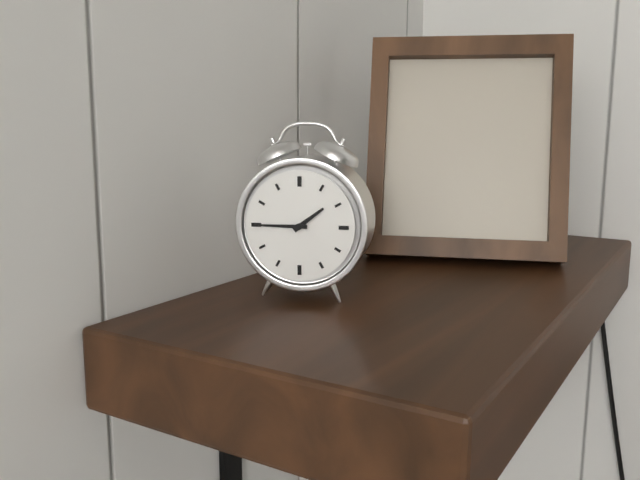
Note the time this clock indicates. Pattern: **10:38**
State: **1:45**
